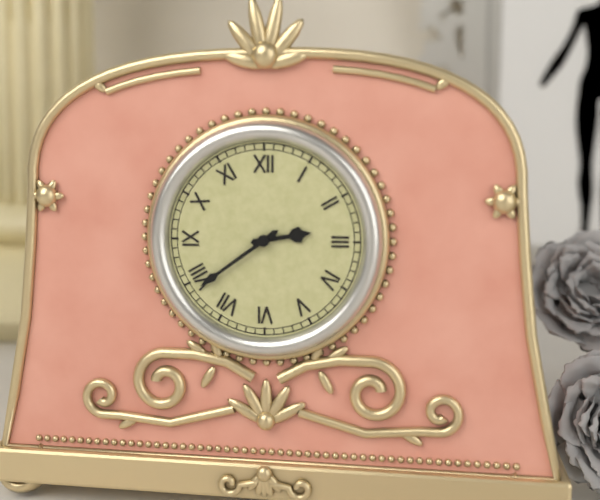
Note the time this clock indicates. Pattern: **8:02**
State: **2:39**
